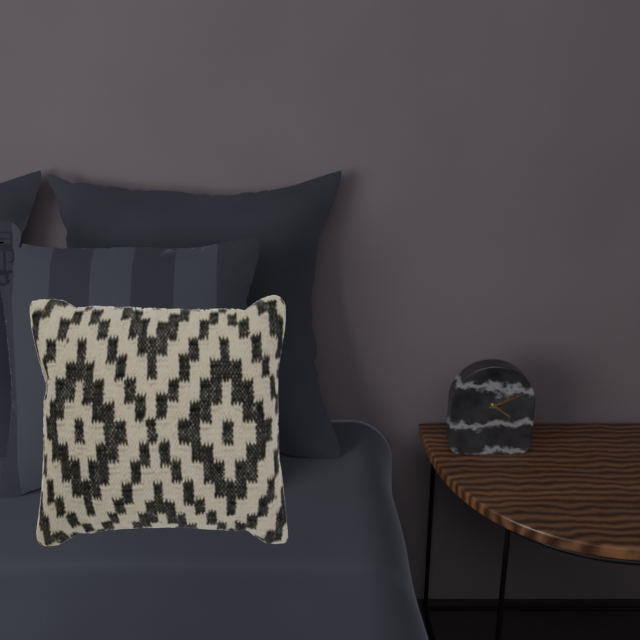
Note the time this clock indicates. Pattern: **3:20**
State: **4:11**
